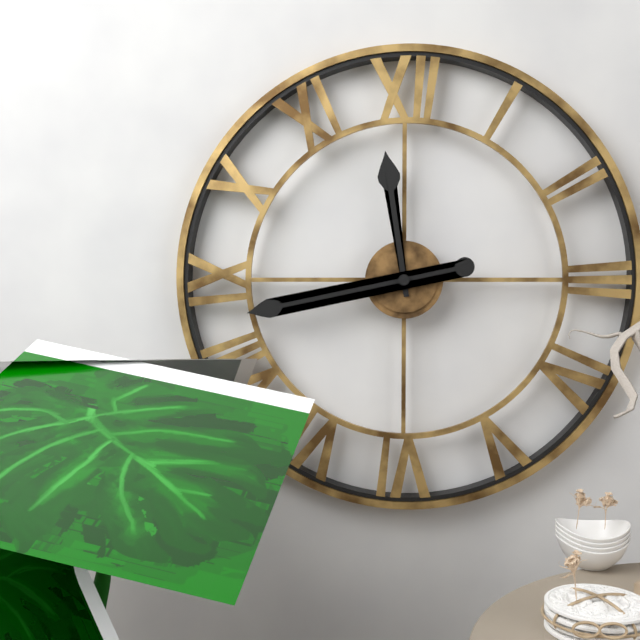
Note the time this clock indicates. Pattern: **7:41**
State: **11:43**
